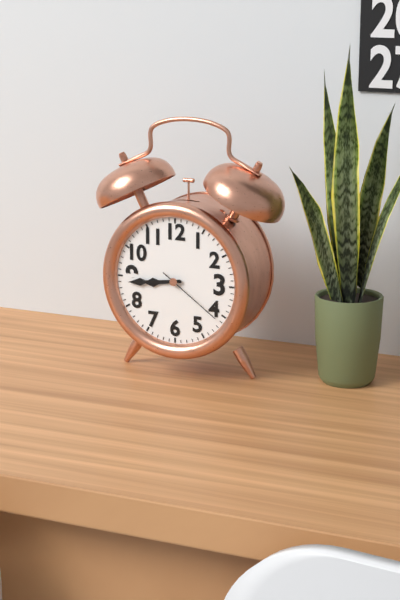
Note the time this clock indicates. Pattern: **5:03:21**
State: **8:44:21**
